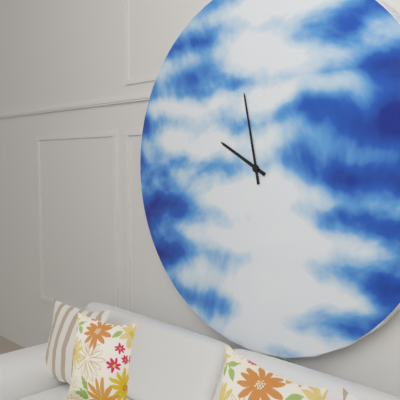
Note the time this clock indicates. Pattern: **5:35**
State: **9:58**
